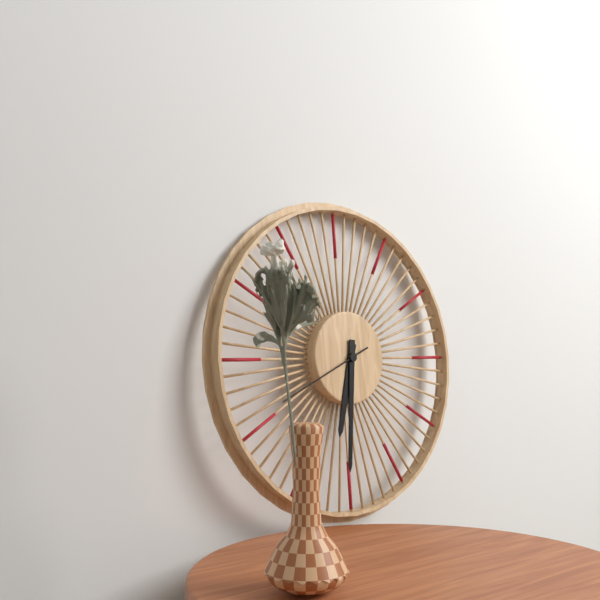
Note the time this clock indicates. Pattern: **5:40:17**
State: **6:31:41**
